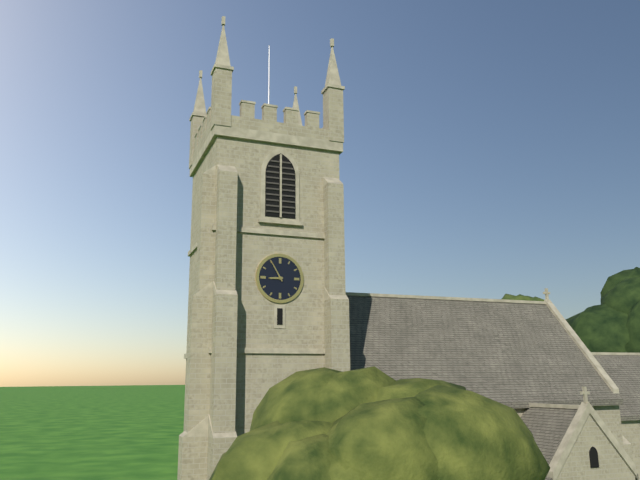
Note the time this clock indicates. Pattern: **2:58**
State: **8:55**
